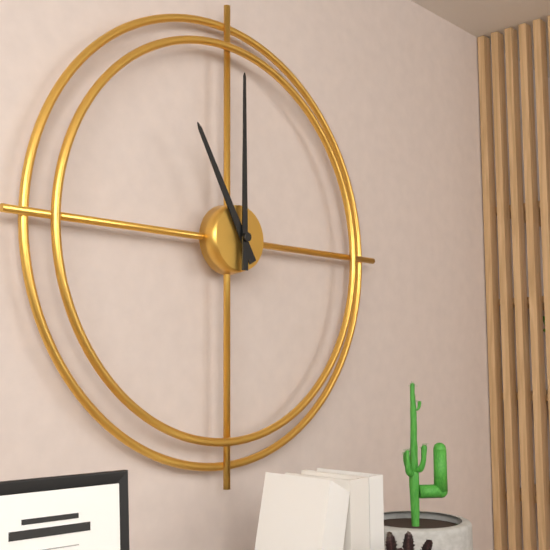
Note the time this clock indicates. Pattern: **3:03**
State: **11:00**
